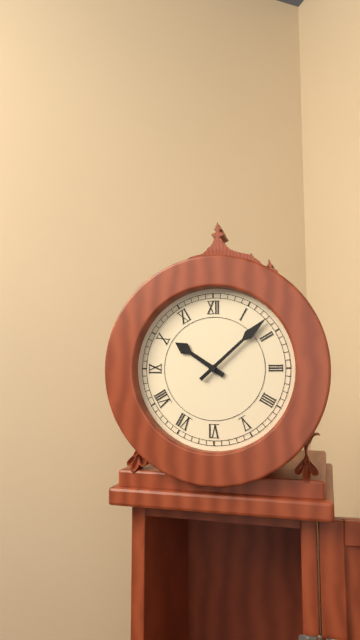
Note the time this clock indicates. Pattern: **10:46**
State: **10:08**
